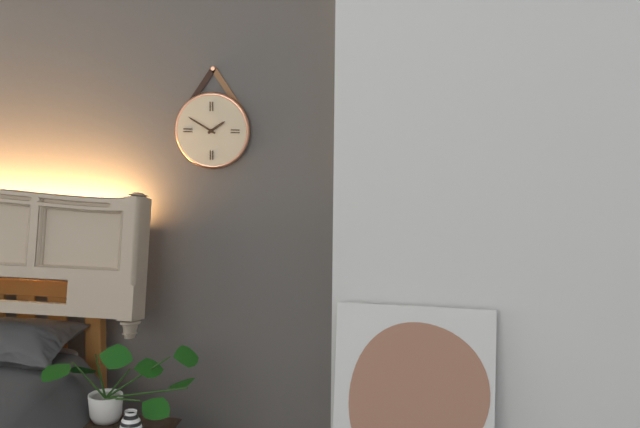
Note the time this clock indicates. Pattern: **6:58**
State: **1:50**
